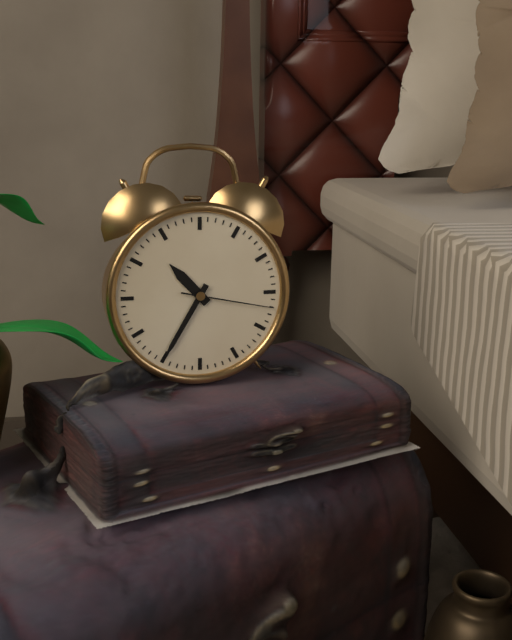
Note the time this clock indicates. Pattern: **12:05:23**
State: **10:35:17**
